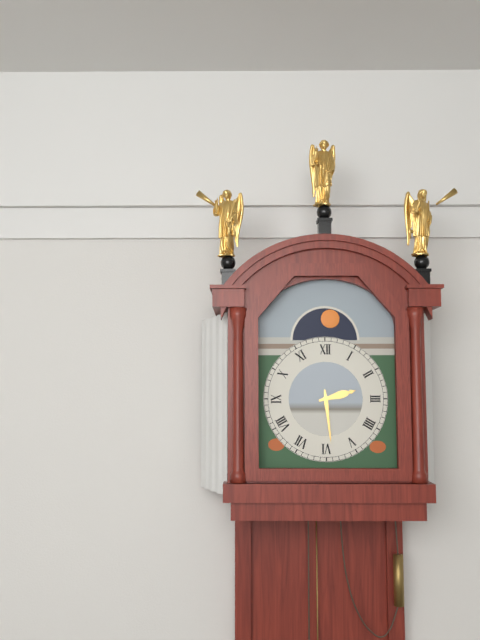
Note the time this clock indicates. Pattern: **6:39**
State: **2:29**
